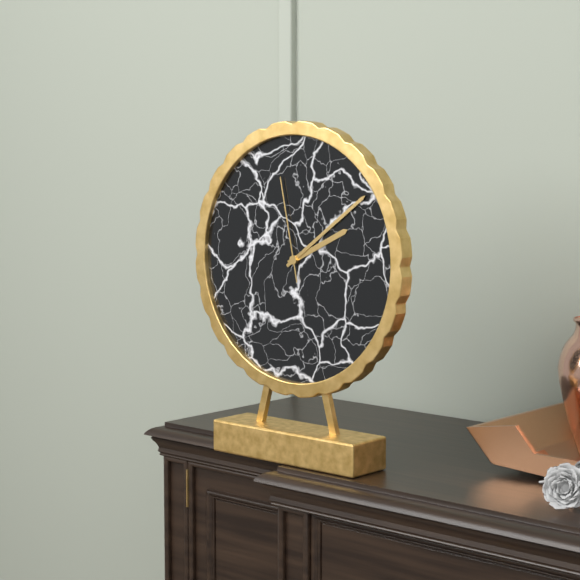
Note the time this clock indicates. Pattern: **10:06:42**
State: **2:09:58**
